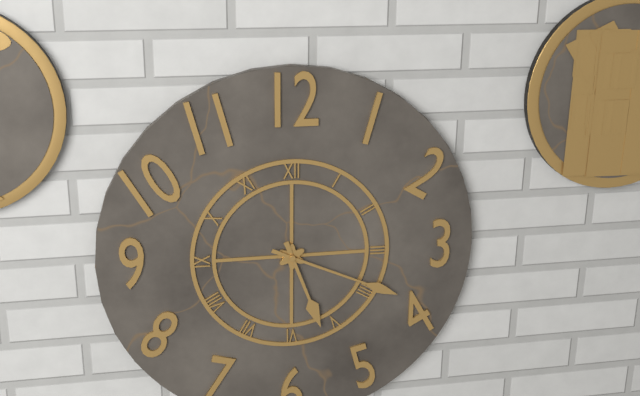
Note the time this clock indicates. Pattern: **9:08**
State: **5:19**
